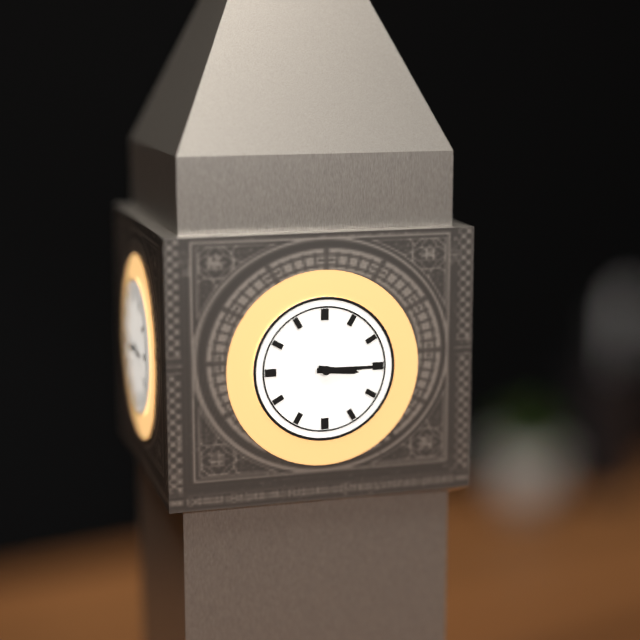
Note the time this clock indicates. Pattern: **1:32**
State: **3:15**
